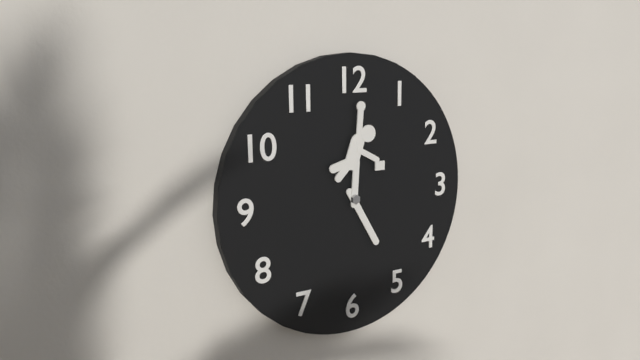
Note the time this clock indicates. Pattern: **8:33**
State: **5:00**
